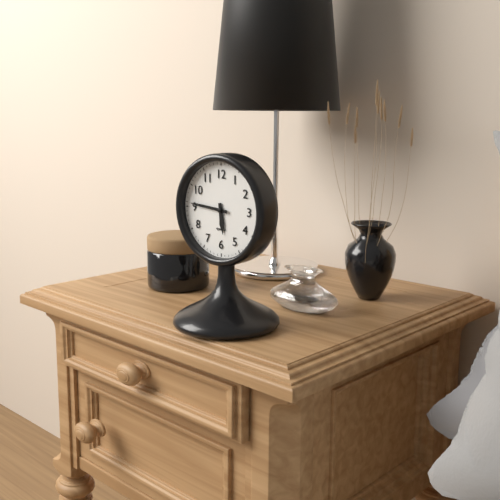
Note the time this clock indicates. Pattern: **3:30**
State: **5:46**
